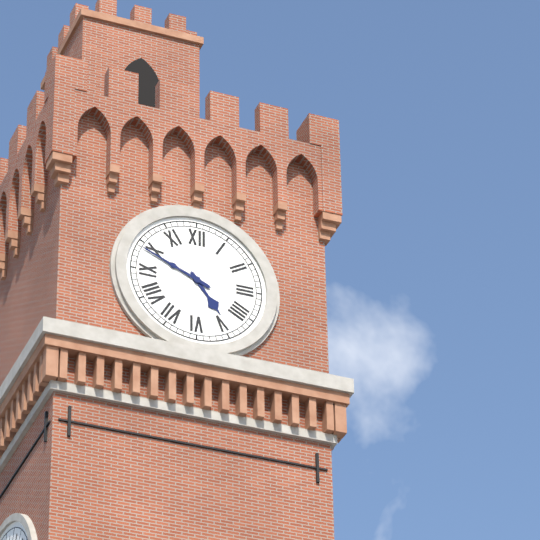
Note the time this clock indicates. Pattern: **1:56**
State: **4:49**
